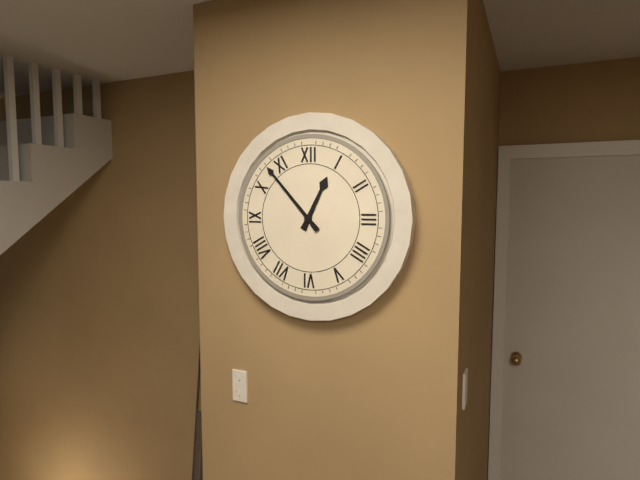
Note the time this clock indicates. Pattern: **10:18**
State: **12:53**
